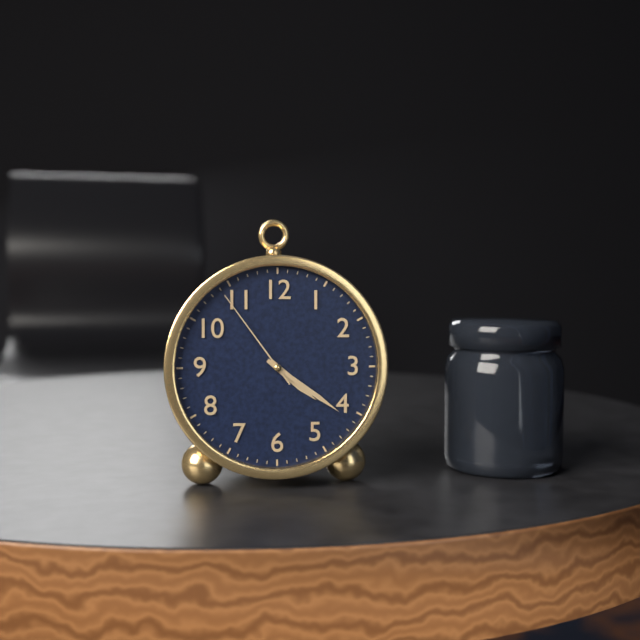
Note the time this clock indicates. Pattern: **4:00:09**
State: **4:21:54**
